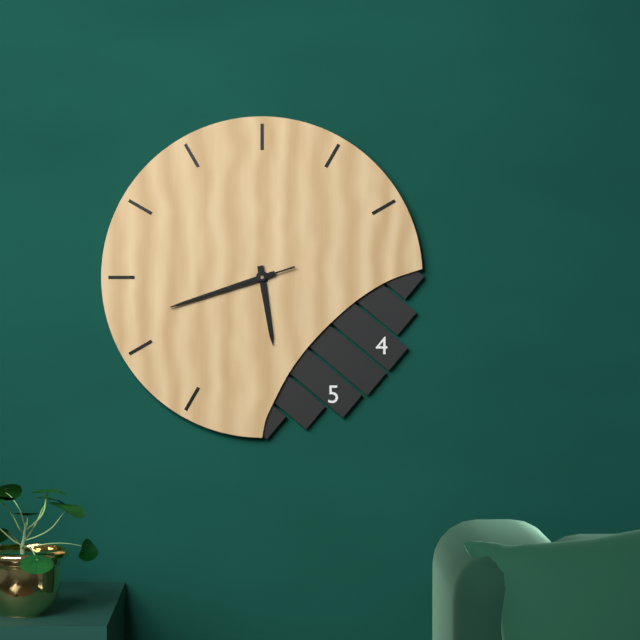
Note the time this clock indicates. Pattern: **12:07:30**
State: **5:42:42**
